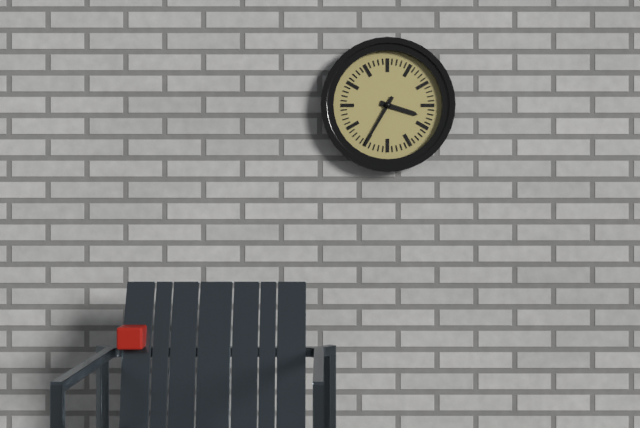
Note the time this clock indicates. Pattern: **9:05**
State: **3:35**
